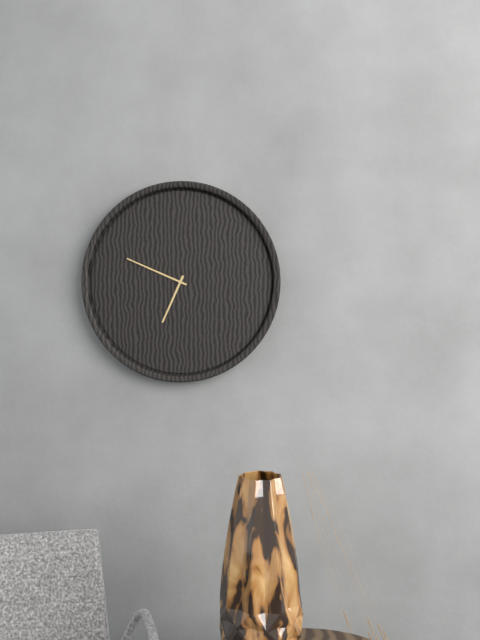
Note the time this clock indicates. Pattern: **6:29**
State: **6:49**
